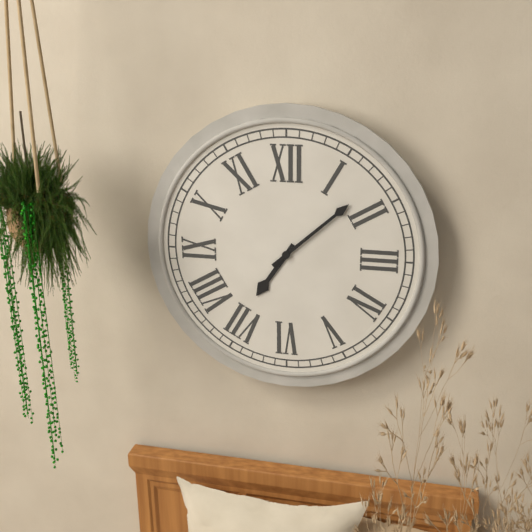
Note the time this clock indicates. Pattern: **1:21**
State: **7:08**
